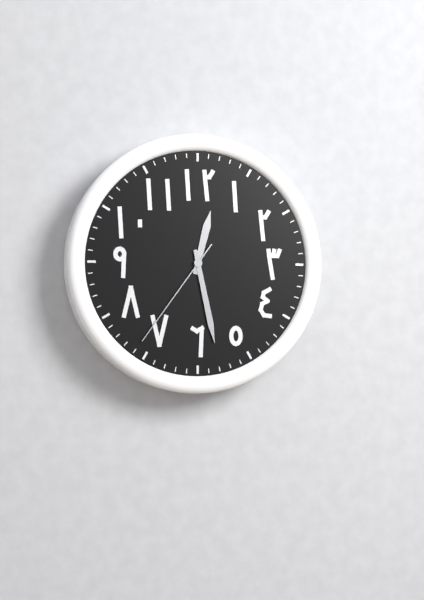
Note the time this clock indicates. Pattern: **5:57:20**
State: **12:28:36**
